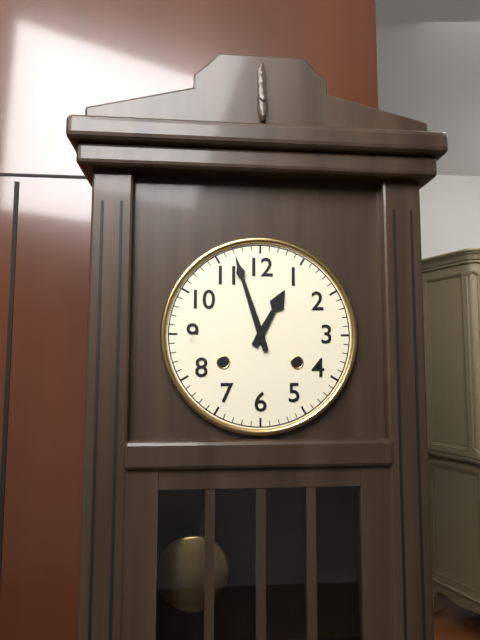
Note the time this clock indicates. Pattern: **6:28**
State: **12:57**
